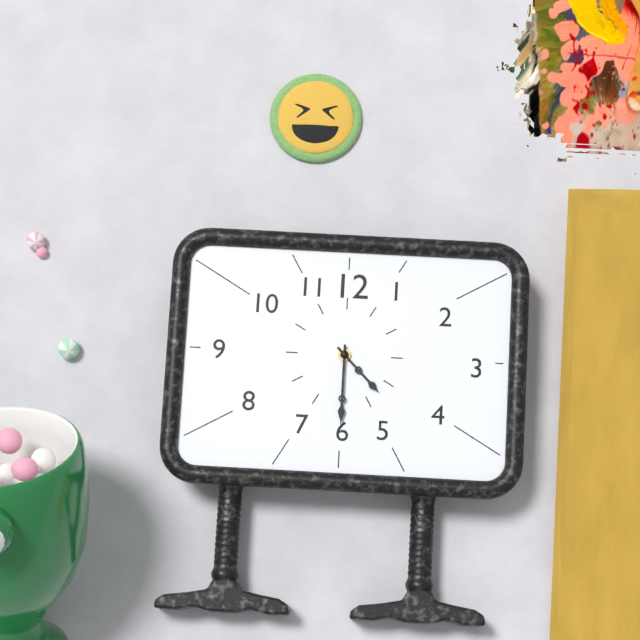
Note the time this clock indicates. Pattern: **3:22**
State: **4:30**
